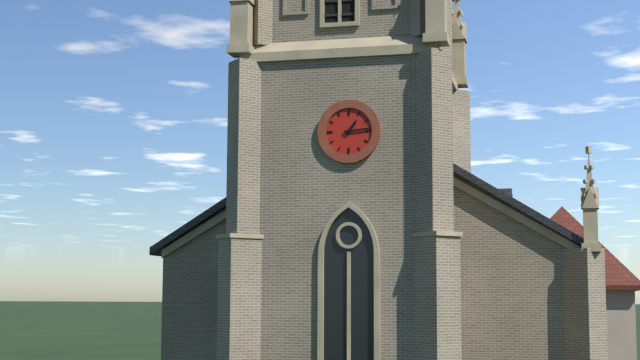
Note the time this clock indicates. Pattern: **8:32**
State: **1:14**
